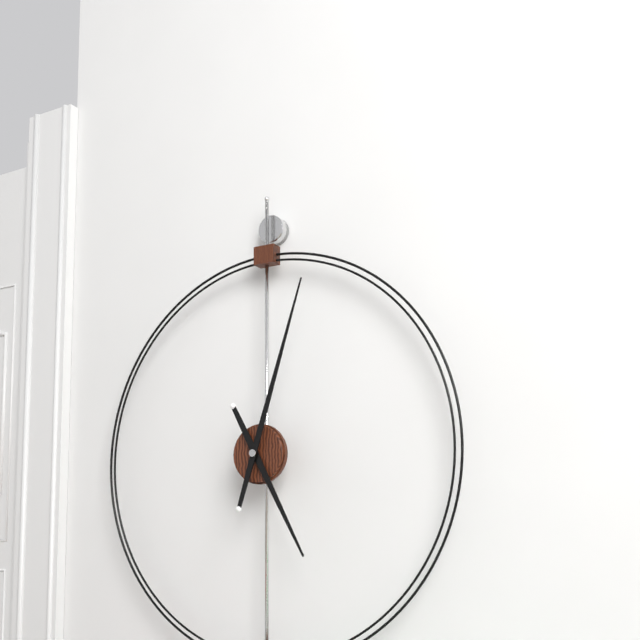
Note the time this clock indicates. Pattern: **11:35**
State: **5:03**
